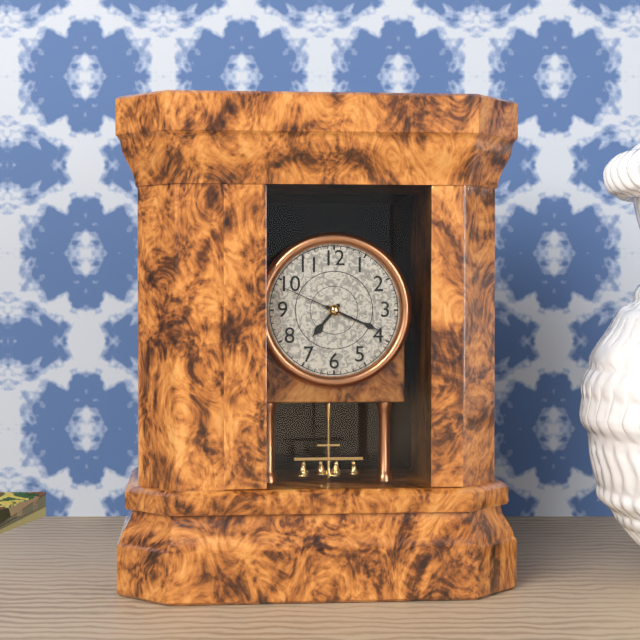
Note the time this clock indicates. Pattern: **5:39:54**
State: **7:19:49**
